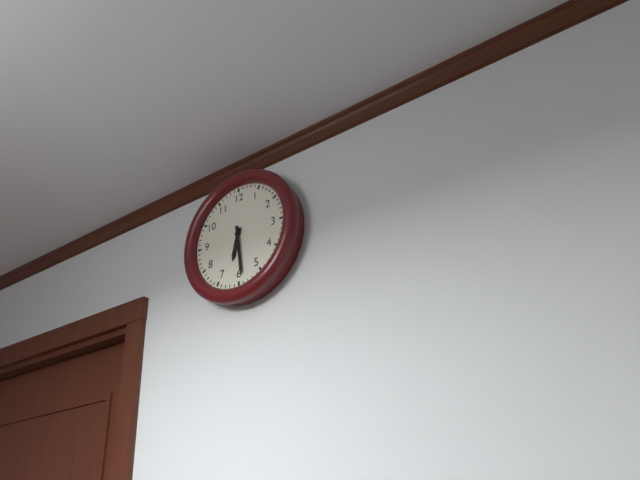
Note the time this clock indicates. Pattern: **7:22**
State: **6:29**
